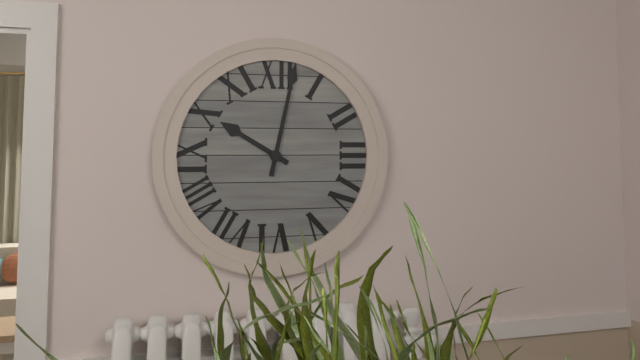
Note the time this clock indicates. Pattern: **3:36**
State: **10:02**
